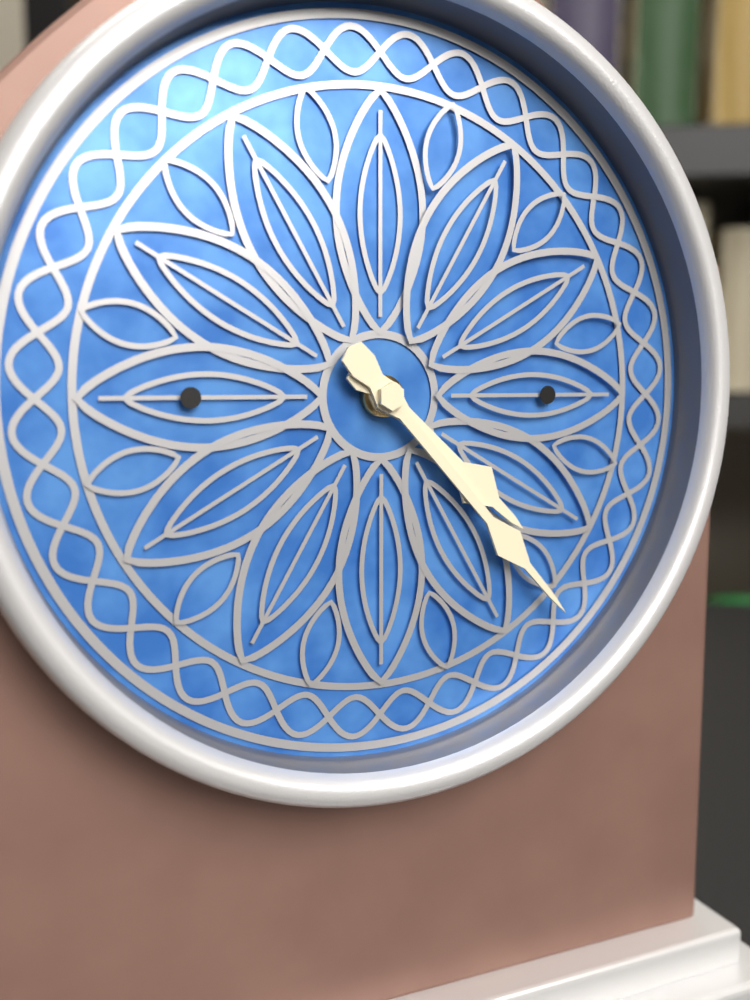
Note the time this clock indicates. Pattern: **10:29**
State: **4:23**
